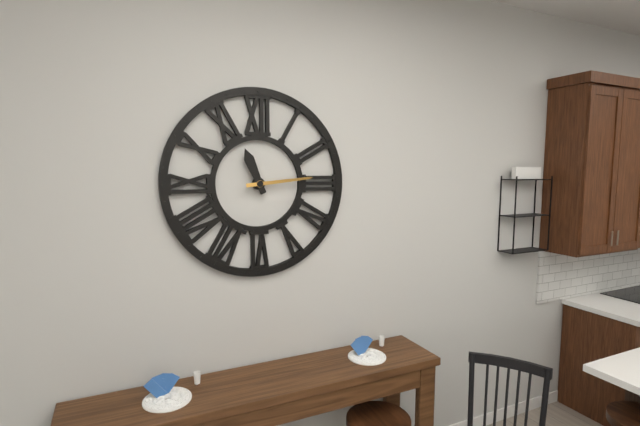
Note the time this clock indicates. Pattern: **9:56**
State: **11:14**
